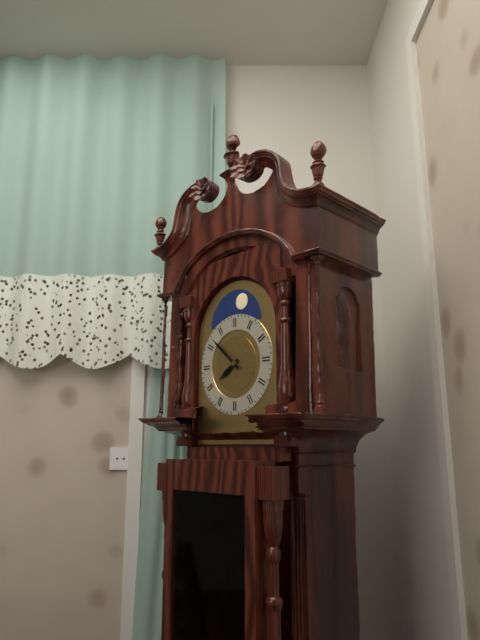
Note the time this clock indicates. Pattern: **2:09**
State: **7:52**
